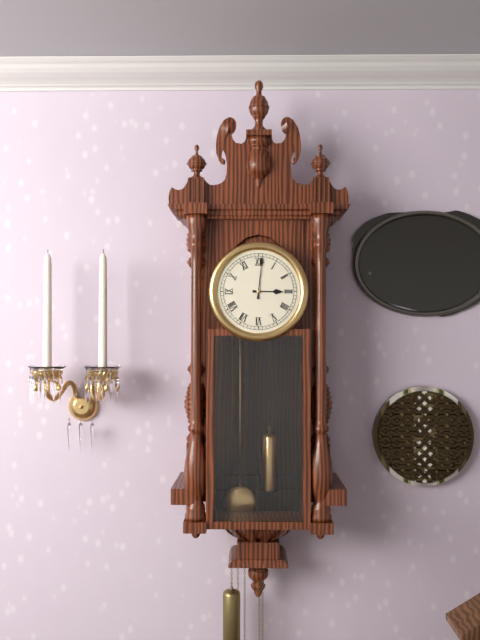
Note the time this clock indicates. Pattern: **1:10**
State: **3:01**
